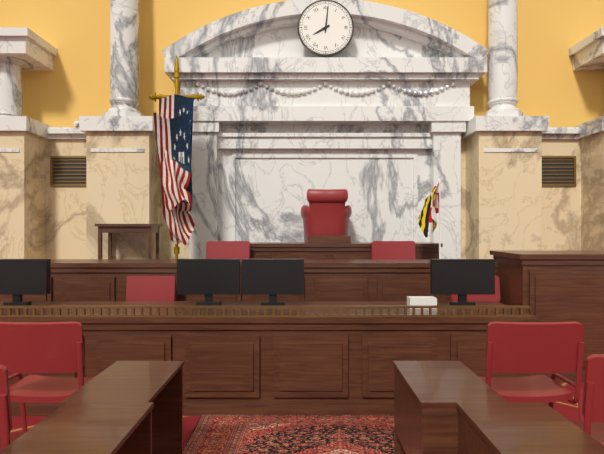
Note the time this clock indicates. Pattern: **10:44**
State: **8:01**
